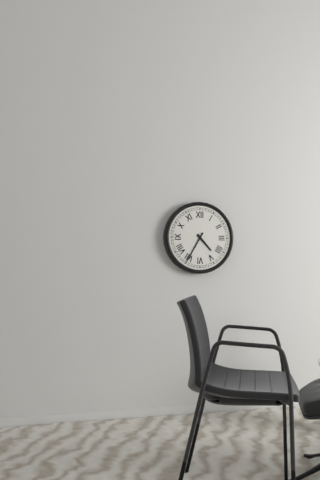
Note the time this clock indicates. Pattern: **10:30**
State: **4:35**
